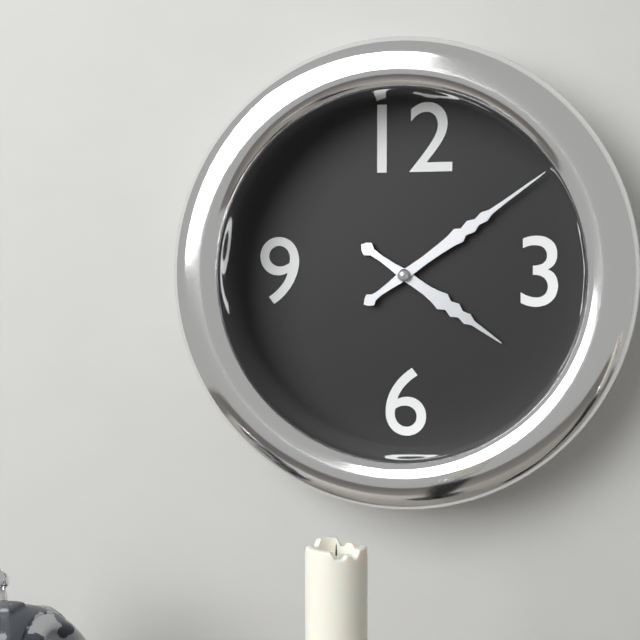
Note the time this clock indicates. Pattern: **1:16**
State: **4:09**
